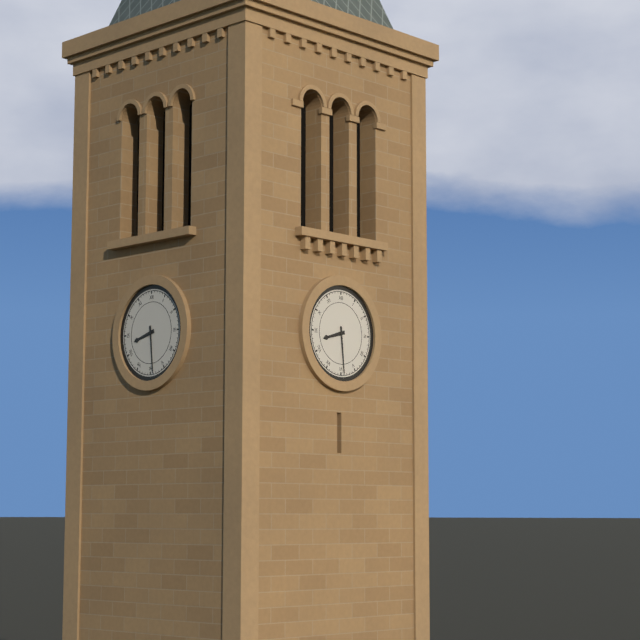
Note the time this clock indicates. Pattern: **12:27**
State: **8:29**
